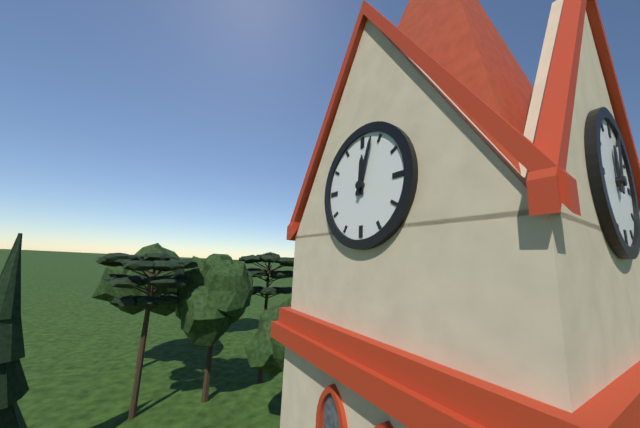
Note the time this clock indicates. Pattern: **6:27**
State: **12:03**
